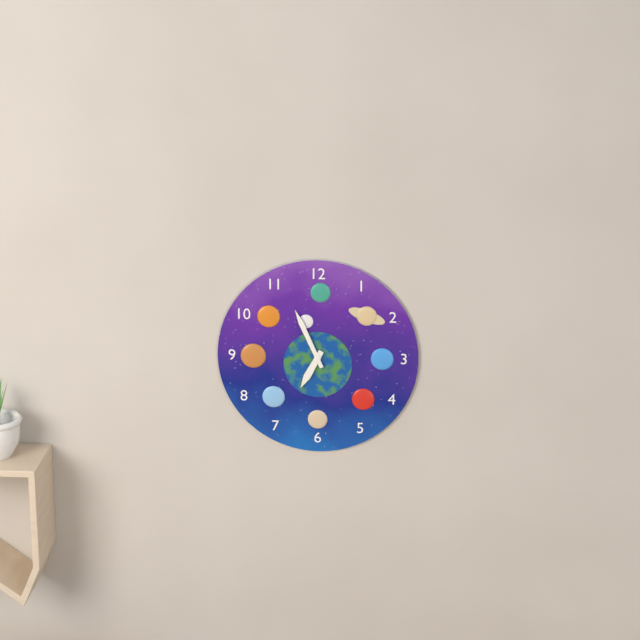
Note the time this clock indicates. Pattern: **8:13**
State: **6:56**
